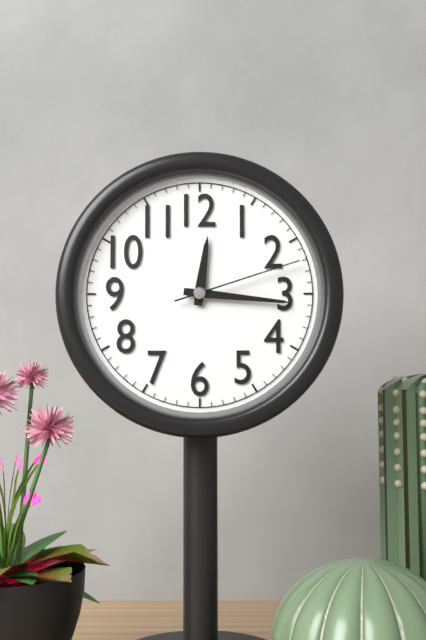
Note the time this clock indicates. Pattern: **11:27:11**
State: **12:16:12**
